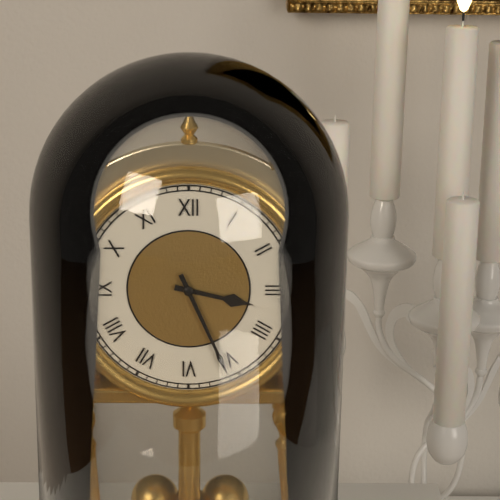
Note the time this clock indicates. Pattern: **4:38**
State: **3:26**
